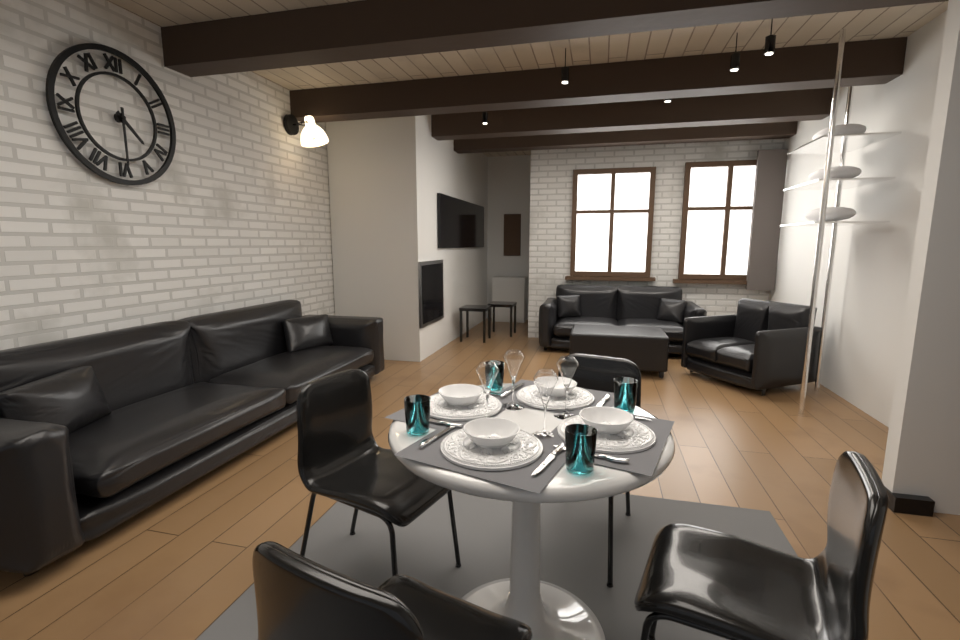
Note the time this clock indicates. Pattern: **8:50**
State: **4:30**
